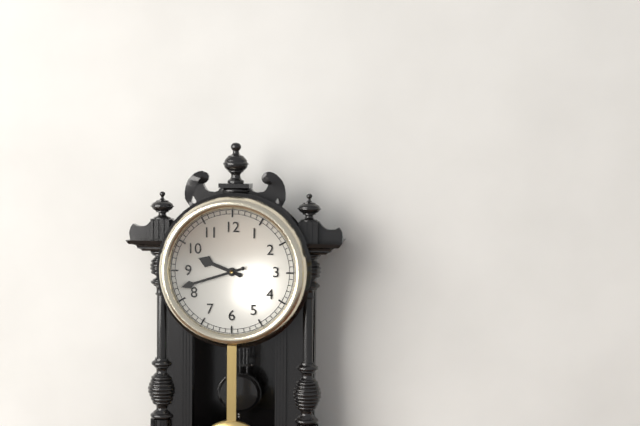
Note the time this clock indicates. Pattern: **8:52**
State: **9:42**
